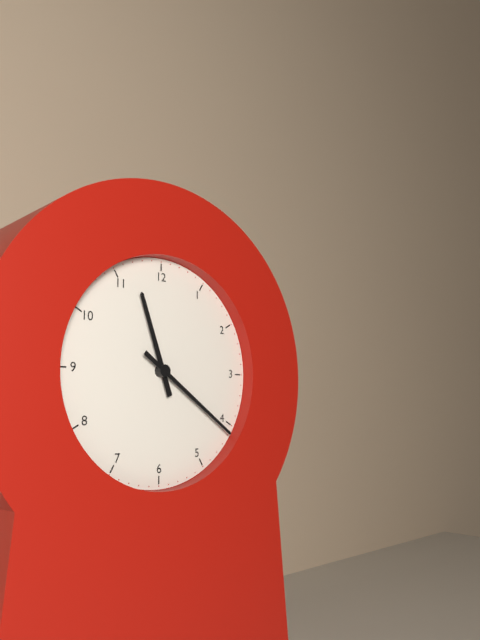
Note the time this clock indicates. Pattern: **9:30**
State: **11:21**
